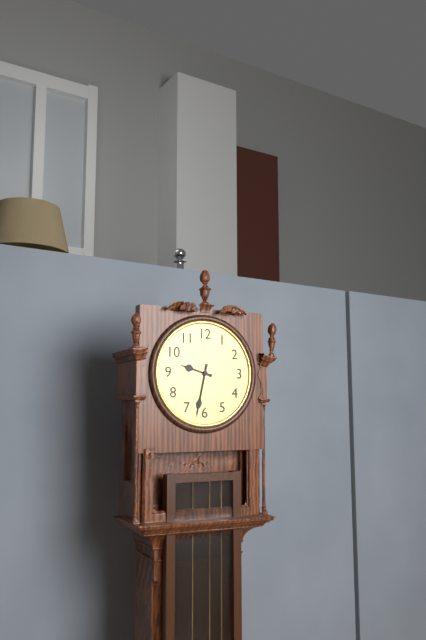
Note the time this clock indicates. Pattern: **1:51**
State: **9:32**
